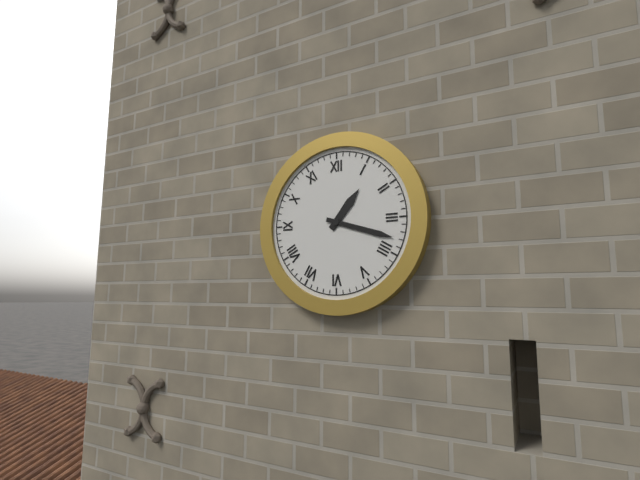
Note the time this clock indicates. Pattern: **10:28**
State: **1:18**
